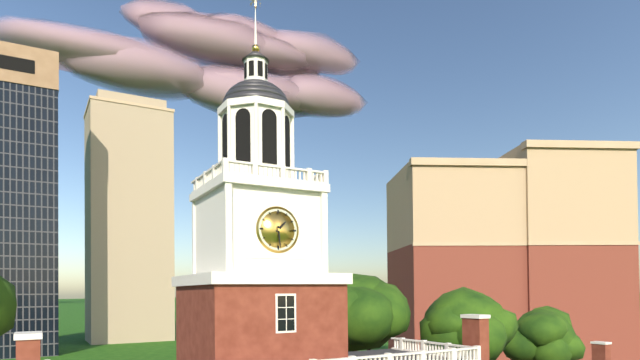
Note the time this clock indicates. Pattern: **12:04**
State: **1:29**
